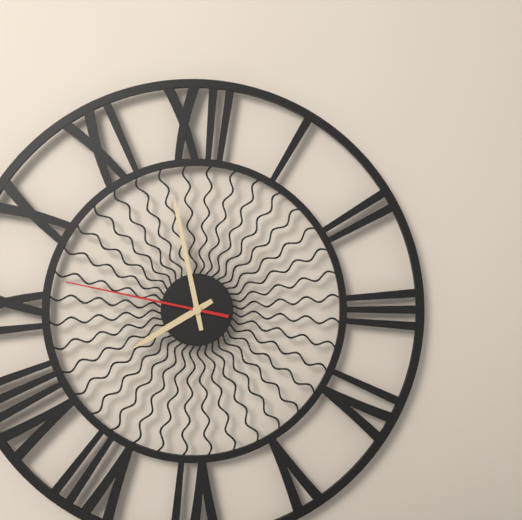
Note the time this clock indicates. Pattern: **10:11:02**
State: **7:58:47**
